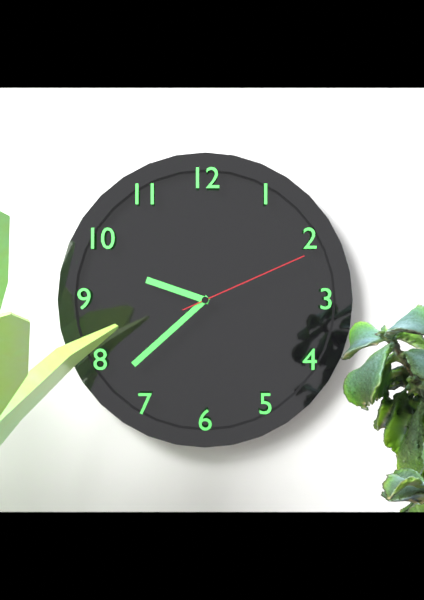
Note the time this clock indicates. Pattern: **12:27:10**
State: **9:38:11**
